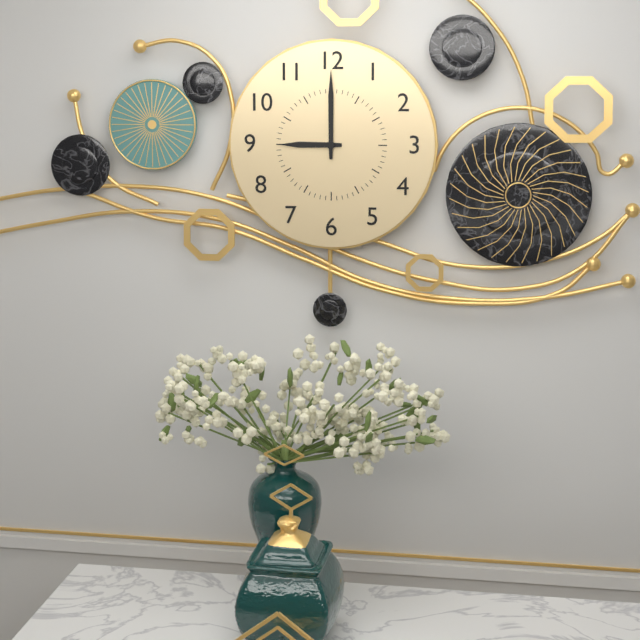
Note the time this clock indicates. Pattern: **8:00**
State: **9:00**
